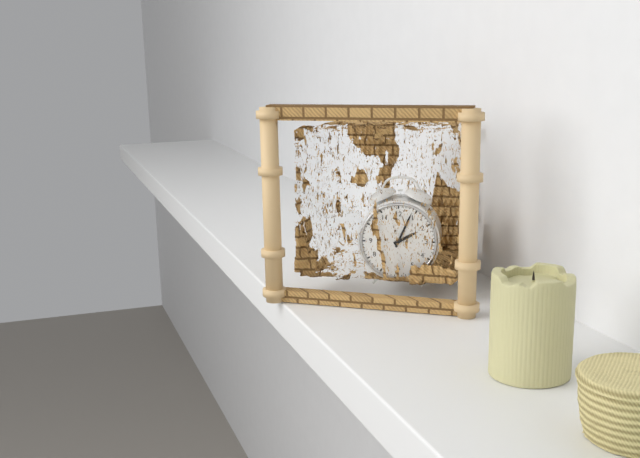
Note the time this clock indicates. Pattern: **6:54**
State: **2:04**
